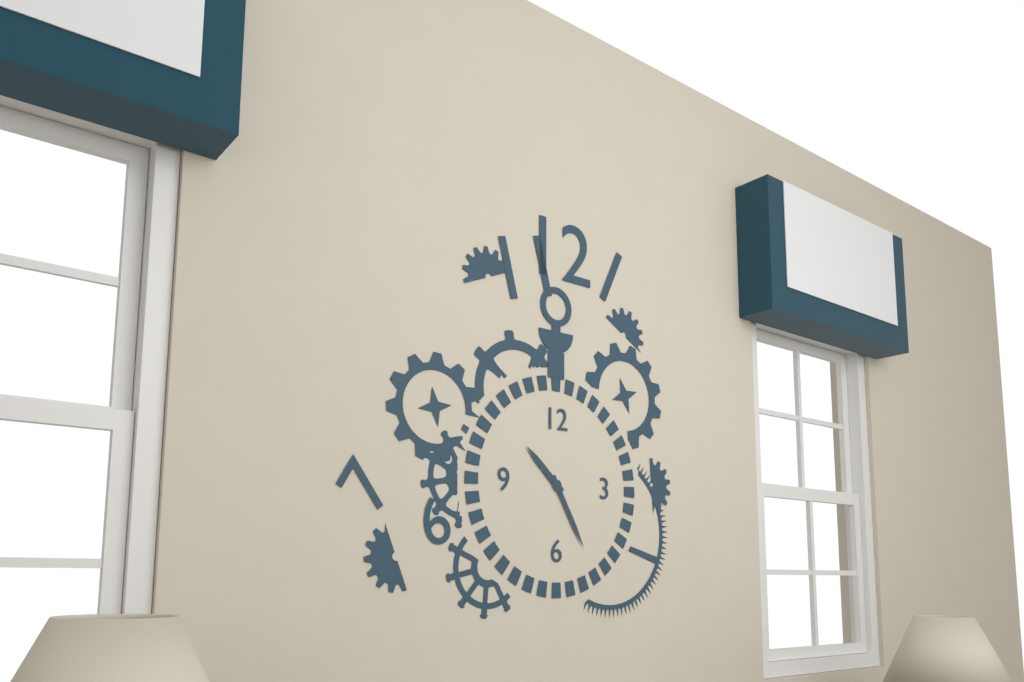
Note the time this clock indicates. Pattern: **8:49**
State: **10:25**
